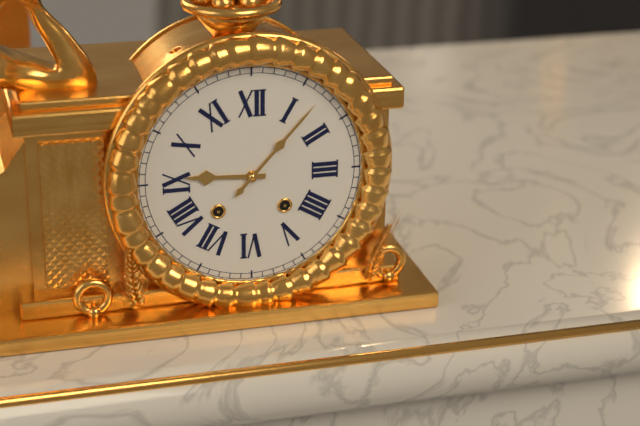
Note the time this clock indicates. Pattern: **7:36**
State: **9:07**
